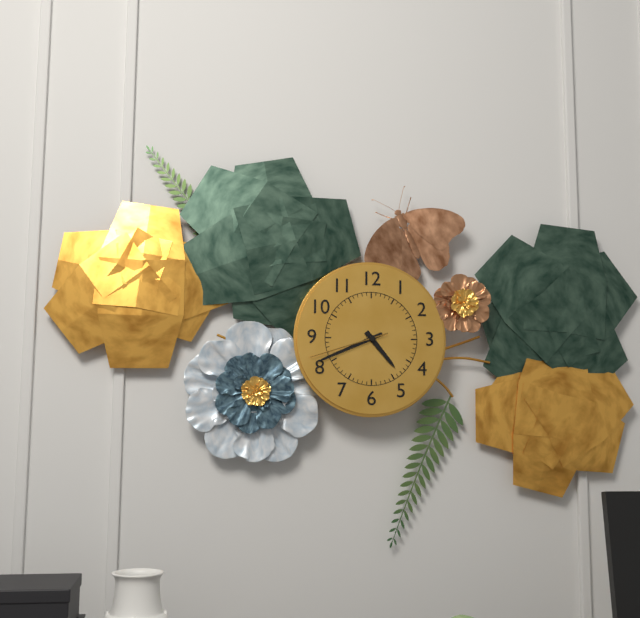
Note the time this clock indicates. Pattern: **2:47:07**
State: **4:41:42**
